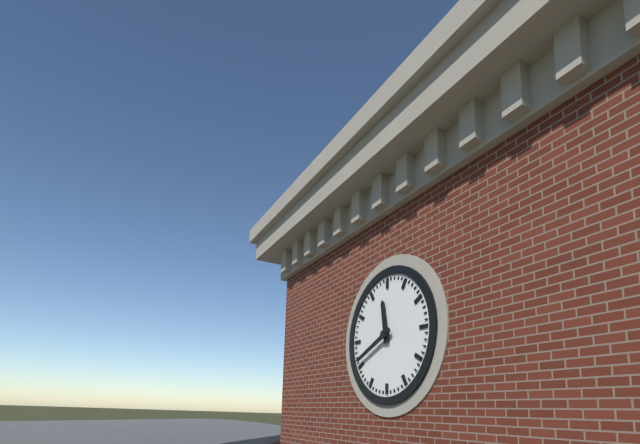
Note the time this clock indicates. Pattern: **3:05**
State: **11:41**
